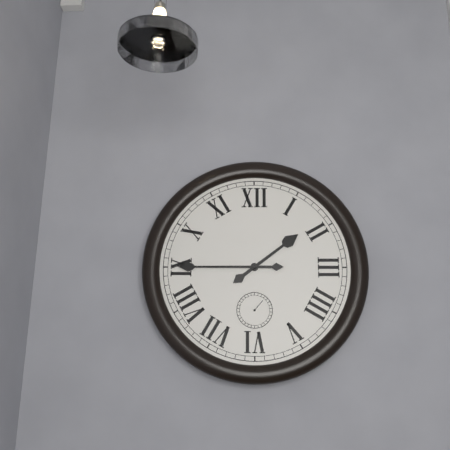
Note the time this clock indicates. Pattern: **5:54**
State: **1:45**
